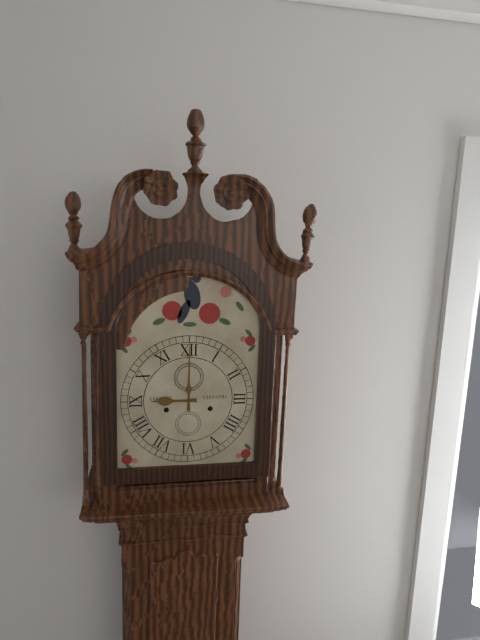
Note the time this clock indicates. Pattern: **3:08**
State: **9:00**
